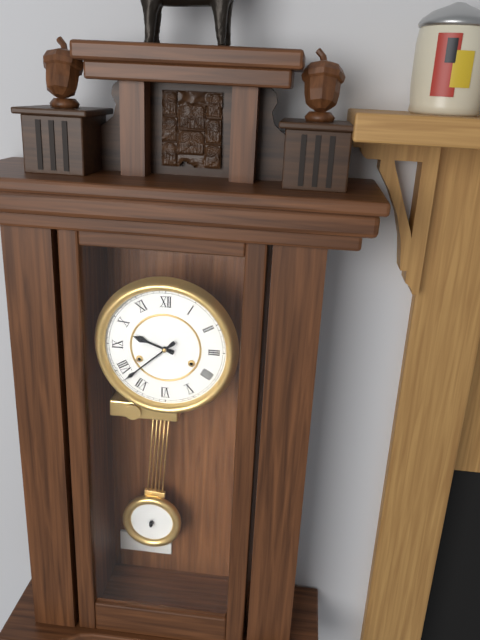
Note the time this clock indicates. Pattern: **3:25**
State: **9:38**
